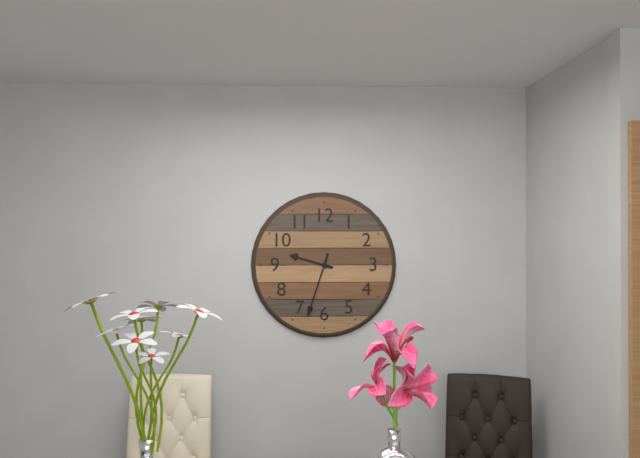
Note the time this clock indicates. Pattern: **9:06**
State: **9:33**
